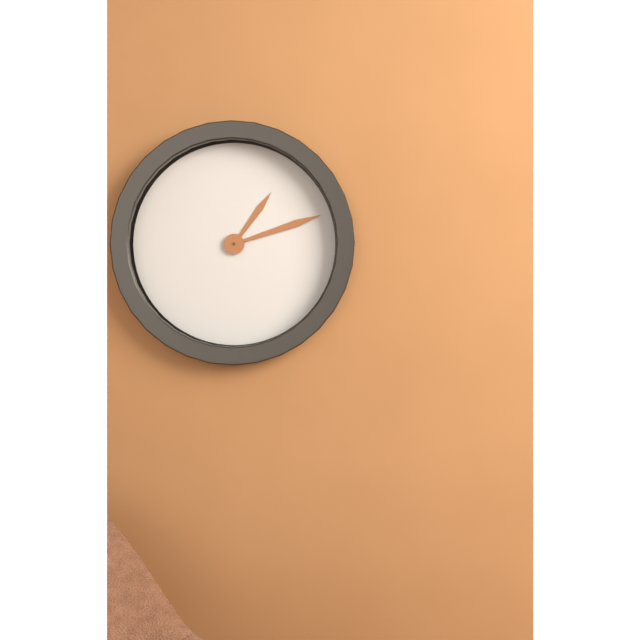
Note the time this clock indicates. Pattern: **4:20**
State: **1:12**
